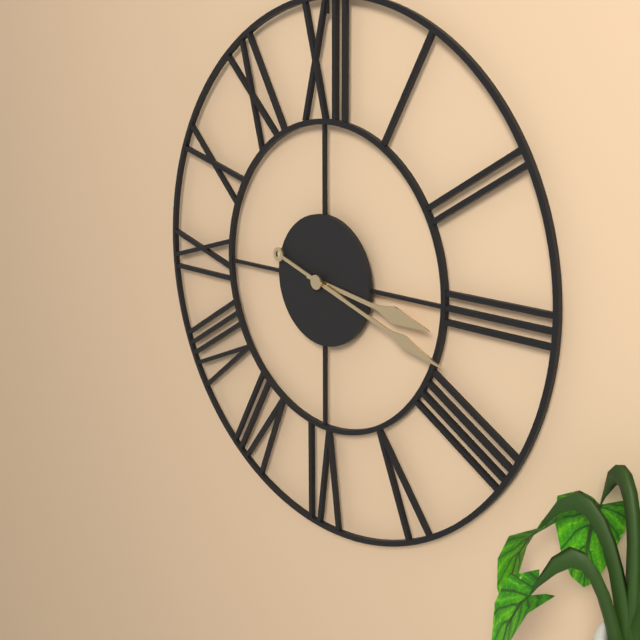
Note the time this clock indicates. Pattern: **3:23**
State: **3:18**
